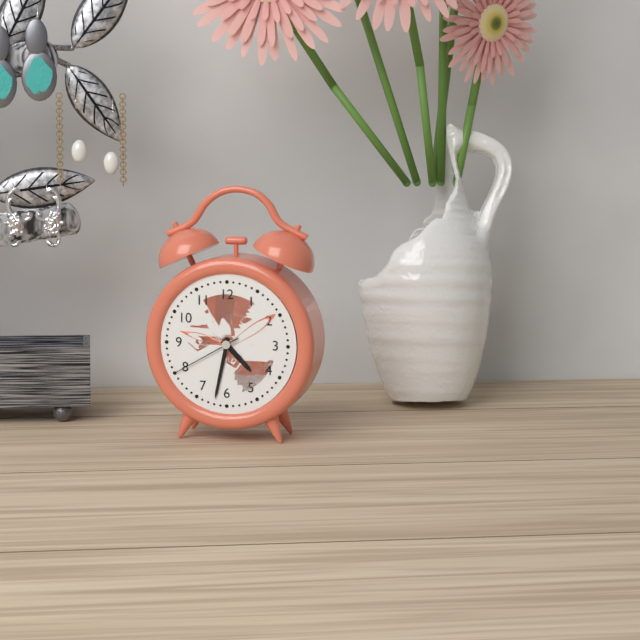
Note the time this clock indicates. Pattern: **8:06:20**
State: **4:32:40**
